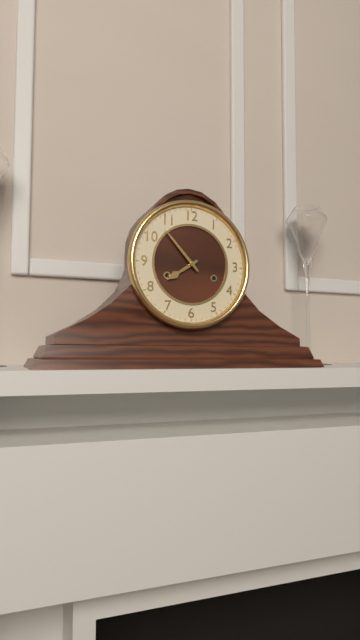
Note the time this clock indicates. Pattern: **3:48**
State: **7:53**
